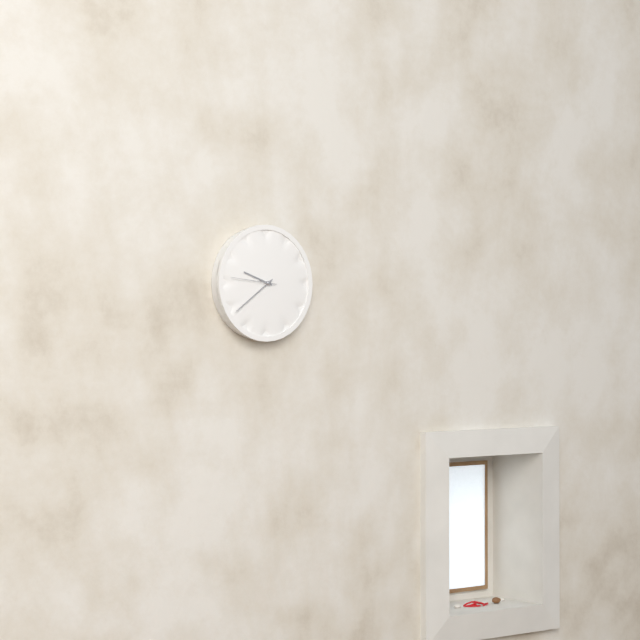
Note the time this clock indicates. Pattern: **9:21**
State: **9:39**
